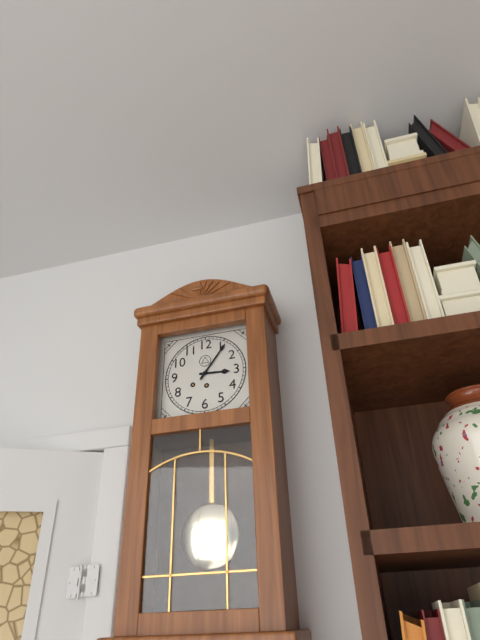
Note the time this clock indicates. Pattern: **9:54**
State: **3:06**
